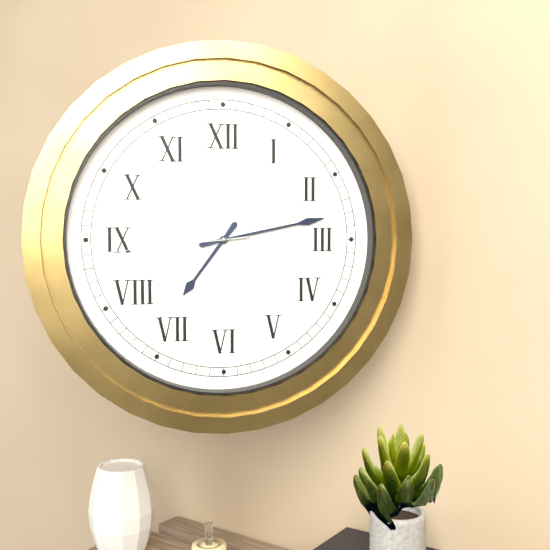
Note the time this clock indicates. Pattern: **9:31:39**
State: **7:13:44**
